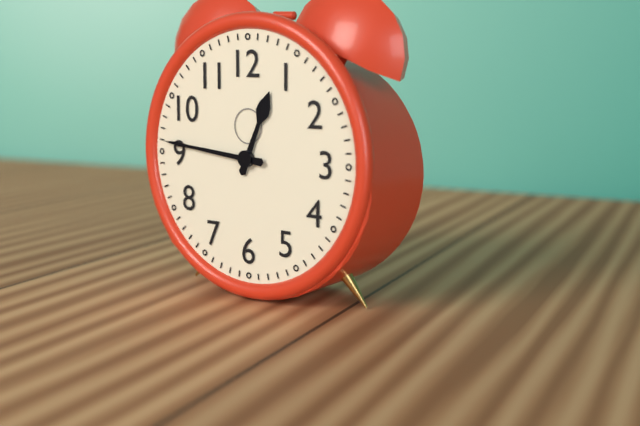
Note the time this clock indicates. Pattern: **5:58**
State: **12:46**
